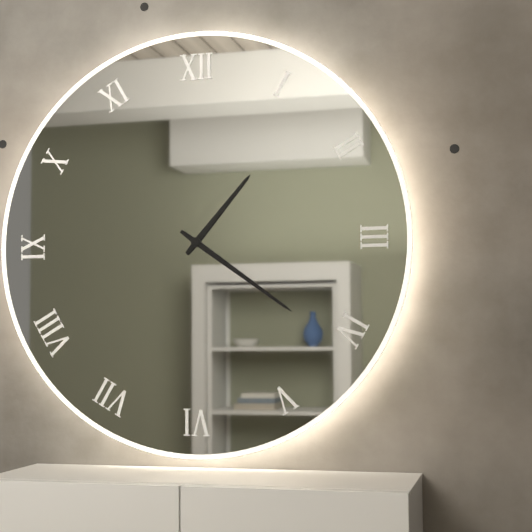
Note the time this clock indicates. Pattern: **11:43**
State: **1:21**
